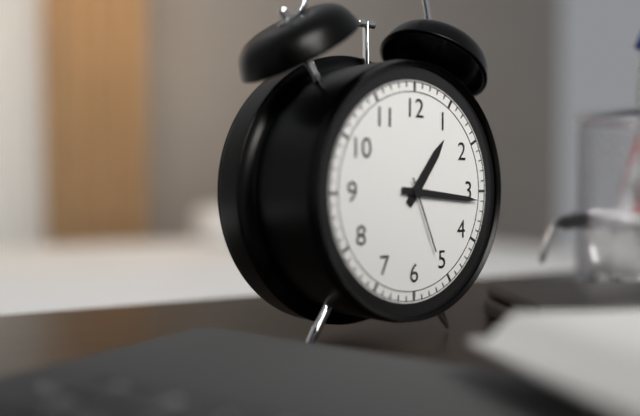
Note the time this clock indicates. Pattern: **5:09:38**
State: **1:16:26**
